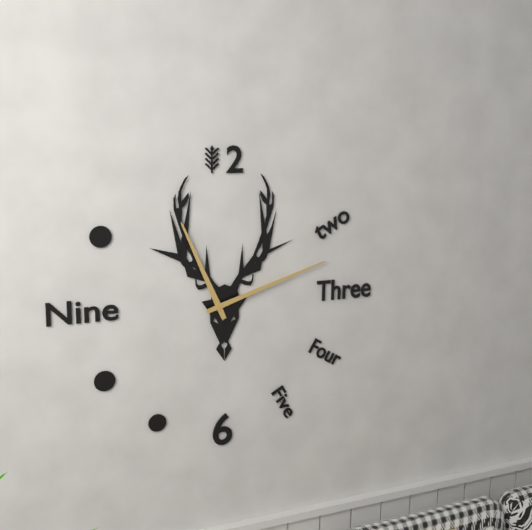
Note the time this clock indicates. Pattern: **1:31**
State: **11:12**
